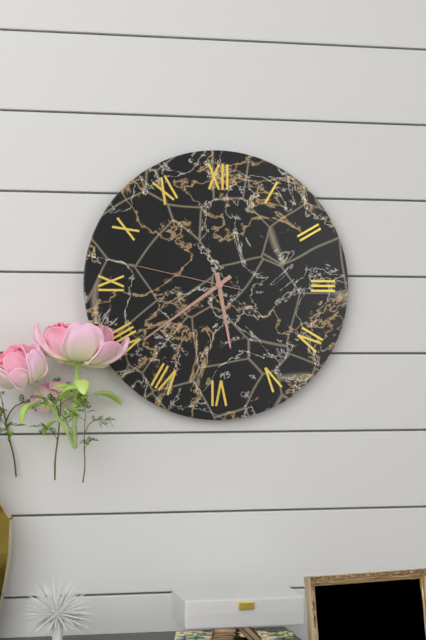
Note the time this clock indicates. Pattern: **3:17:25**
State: **5:39:47**
